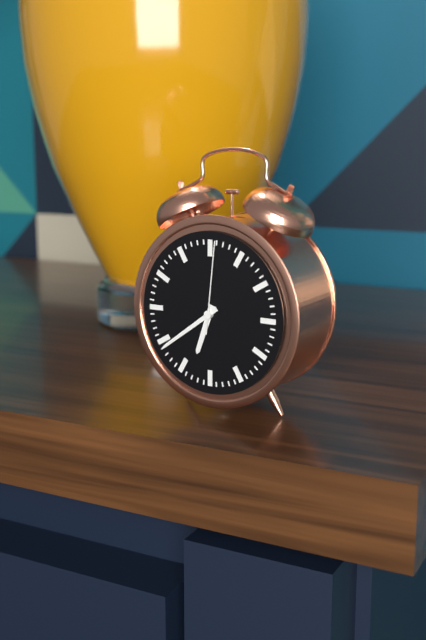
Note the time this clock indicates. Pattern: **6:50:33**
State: **6:39:01**
